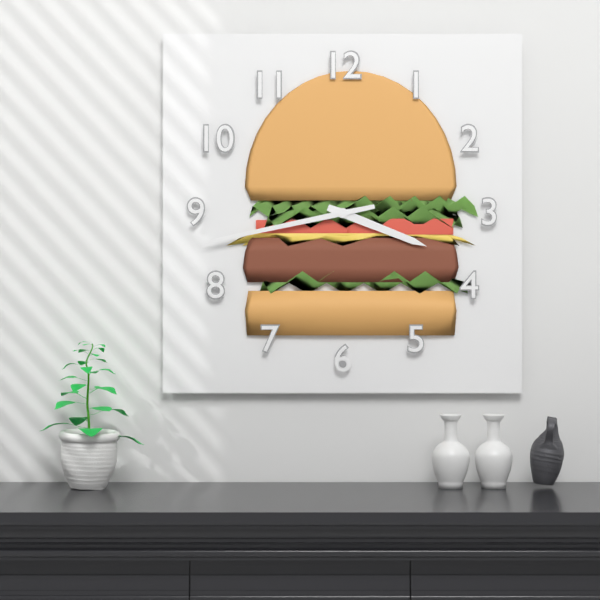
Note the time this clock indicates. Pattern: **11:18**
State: **3:43**
